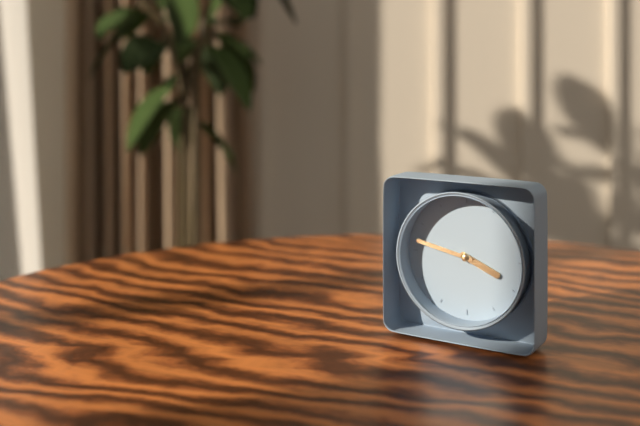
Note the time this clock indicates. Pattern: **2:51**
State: **3:47**
